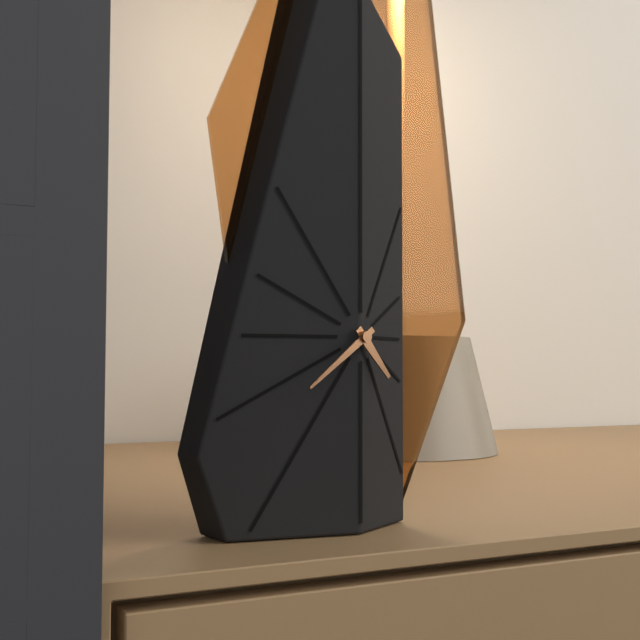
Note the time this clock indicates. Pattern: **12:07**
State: **4:39**
